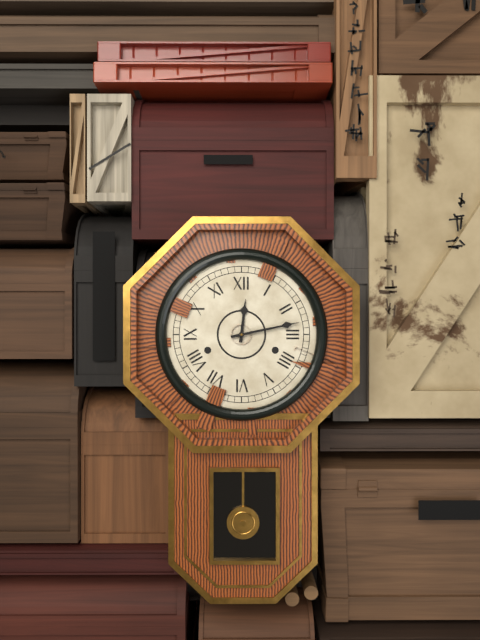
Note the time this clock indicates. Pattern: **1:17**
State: **12:13**
